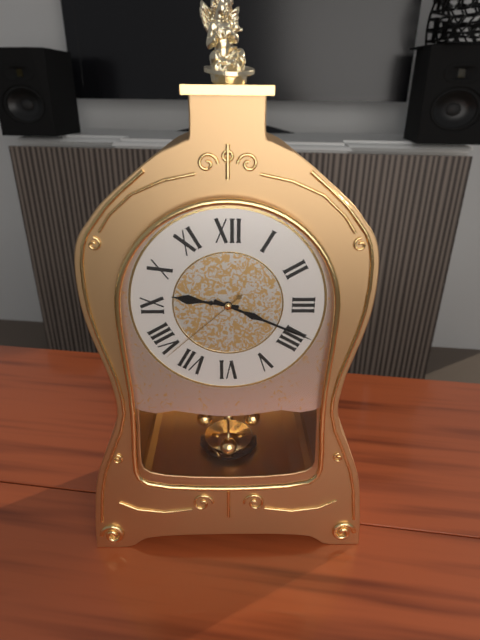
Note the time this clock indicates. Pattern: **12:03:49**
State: **9:19:38**
